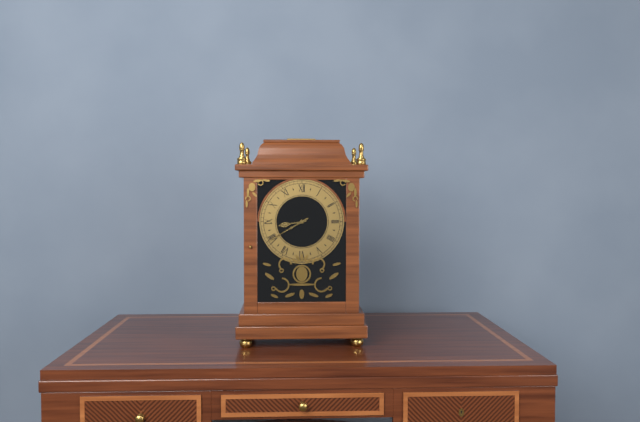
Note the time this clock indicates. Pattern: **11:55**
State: **8:40**
